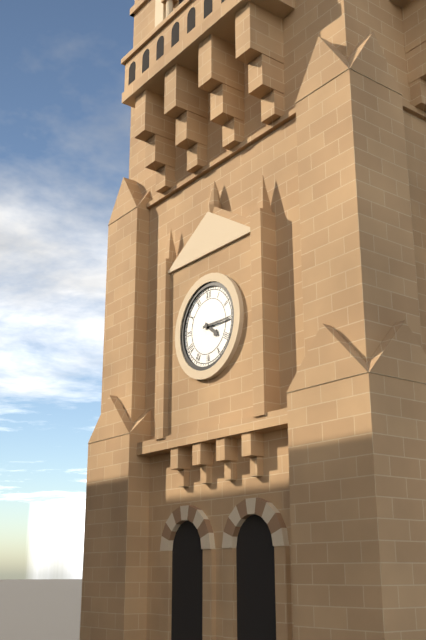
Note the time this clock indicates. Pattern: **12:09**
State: **4:15**
